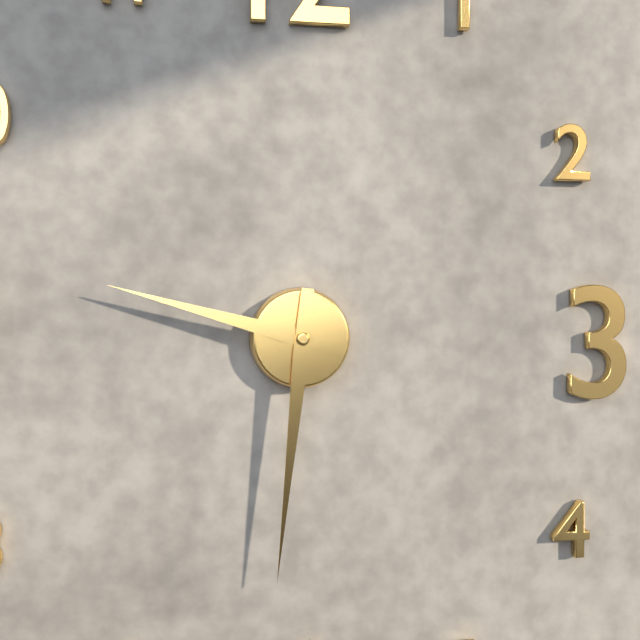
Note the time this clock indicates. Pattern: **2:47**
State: **9:31**
